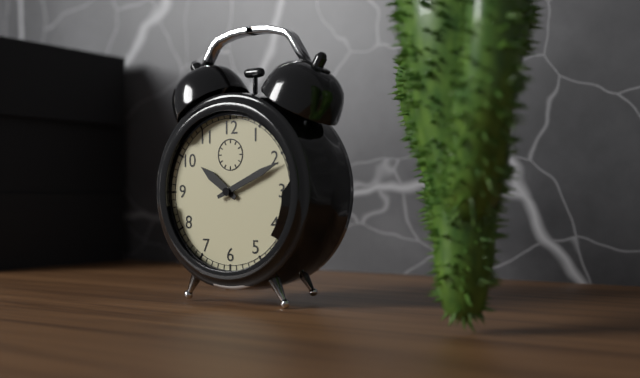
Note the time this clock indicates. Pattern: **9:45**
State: **10:11**
